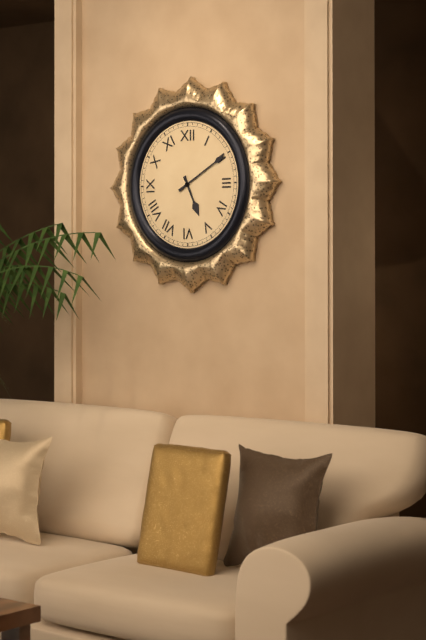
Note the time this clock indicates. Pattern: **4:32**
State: **5:10**
